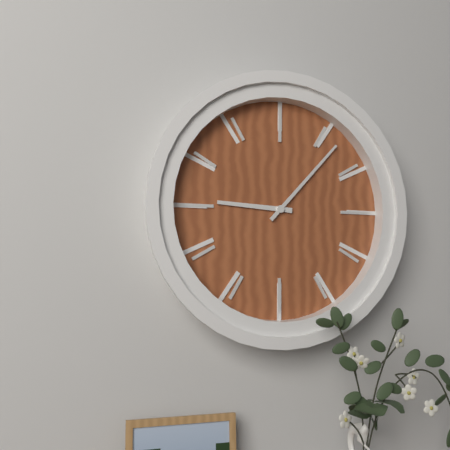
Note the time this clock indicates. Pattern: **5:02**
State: **9:07**
